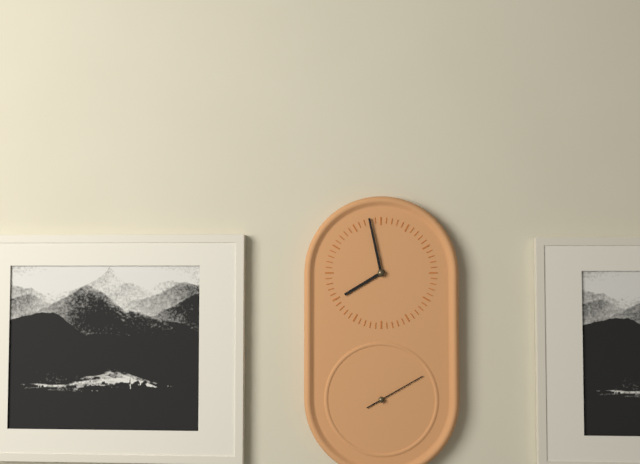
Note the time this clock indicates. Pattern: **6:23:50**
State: **7:58:10**
